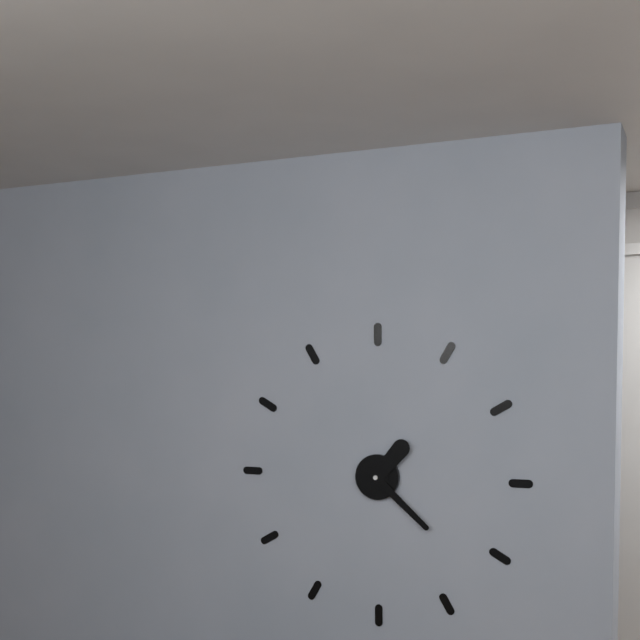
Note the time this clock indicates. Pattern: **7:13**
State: **1:22**
